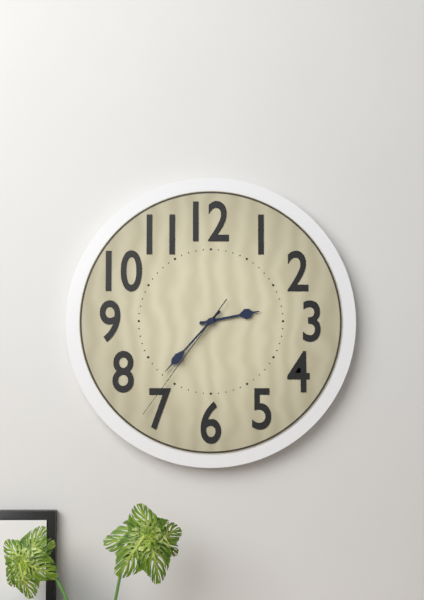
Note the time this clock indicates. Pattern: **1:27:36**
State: **2:37:36**
